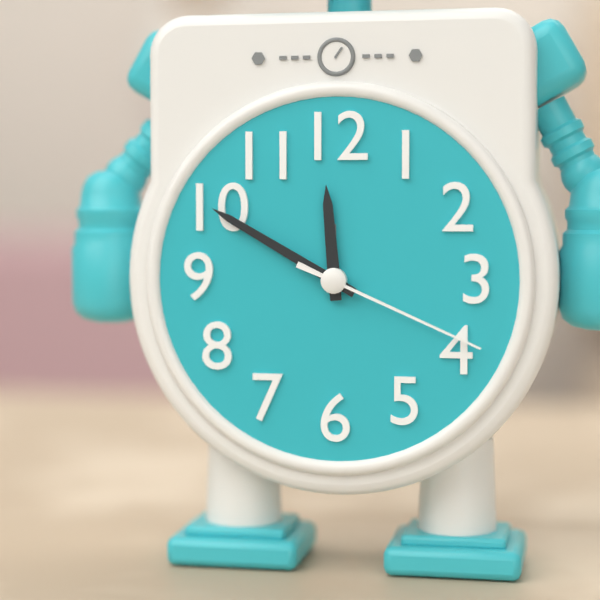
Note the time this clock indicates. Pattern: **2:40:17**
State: **11:50:19**
